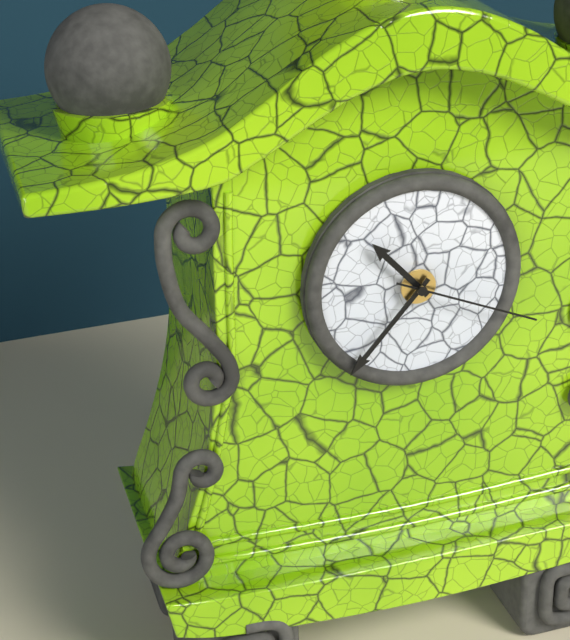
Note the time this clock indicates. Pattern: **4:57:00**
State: **10:37:19**
